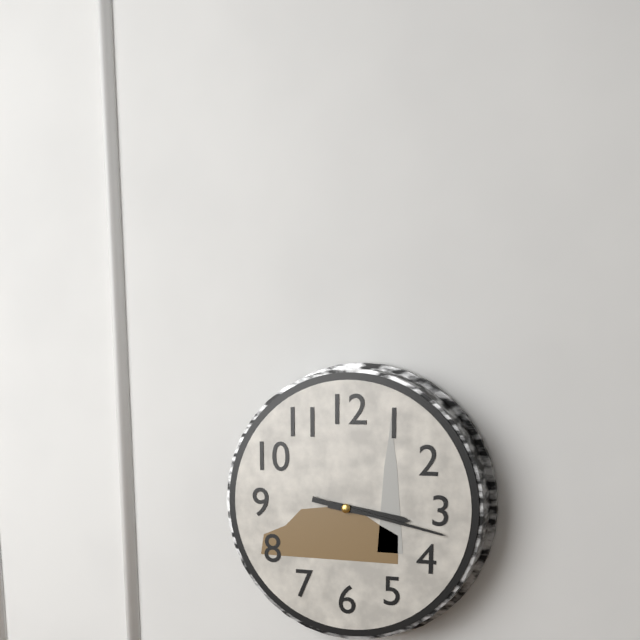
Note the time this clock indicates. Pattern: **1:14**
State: **3:17**
